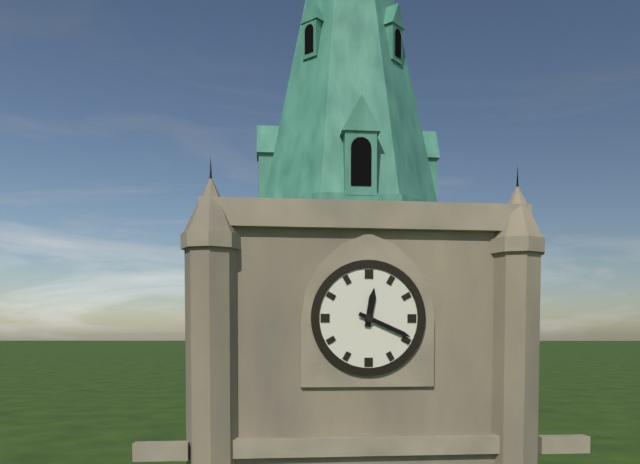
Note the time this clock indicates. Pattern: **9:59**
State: **12:19**
